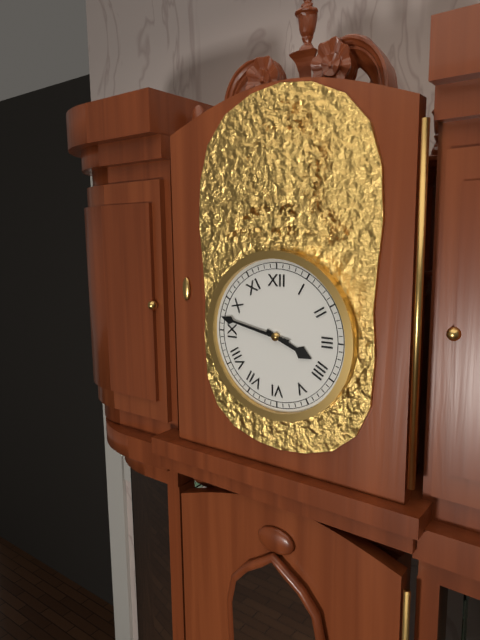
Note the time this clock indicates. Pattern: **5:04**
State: **3:47**
